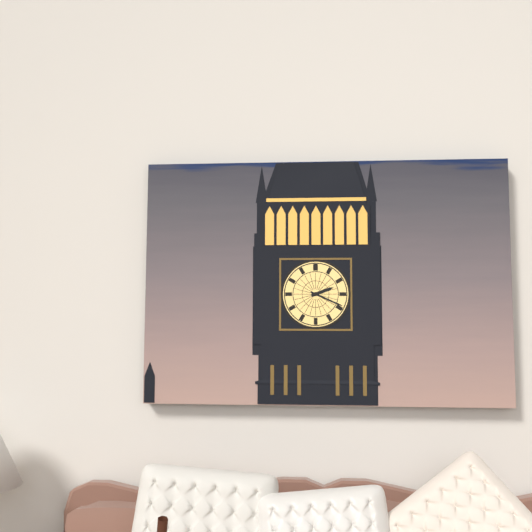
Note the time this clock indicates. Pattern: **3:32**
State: **2:19**
